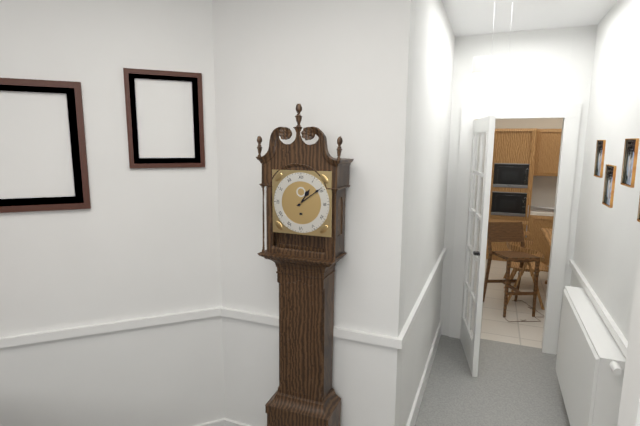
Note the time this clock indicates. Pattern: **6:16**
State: **1:09**
